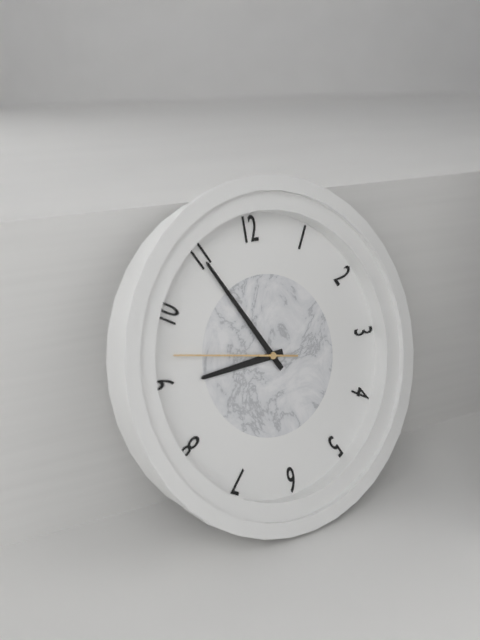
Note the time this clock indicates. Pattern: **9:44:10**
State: **8:55:47**
